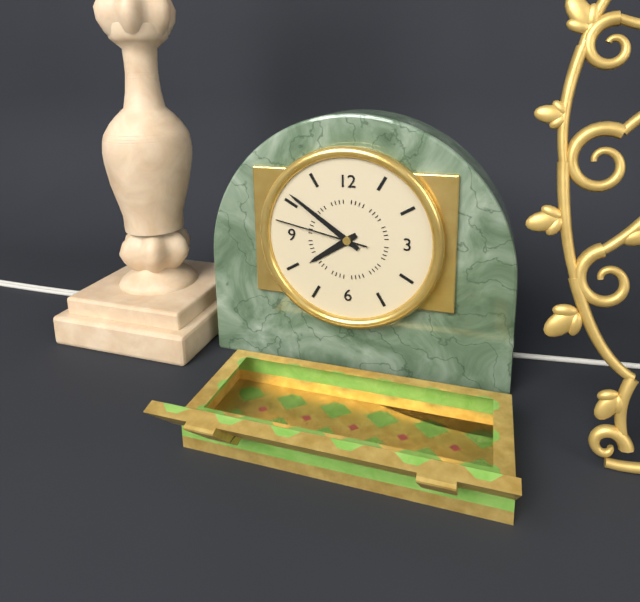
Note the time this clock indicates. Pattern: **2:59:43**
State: **7:51:47**
